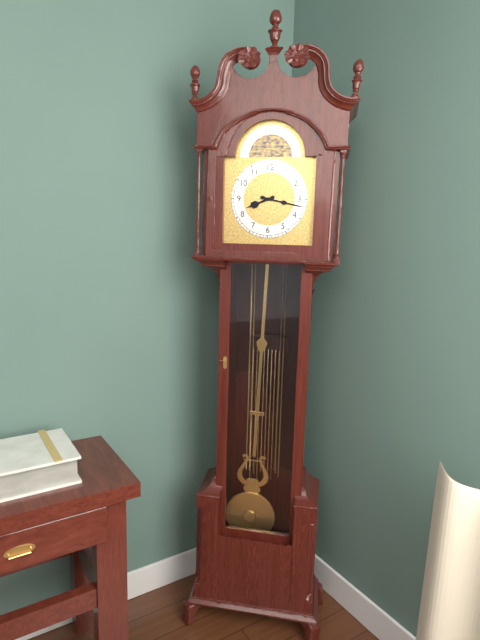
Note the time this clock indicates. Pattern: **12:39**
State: **8:17**
